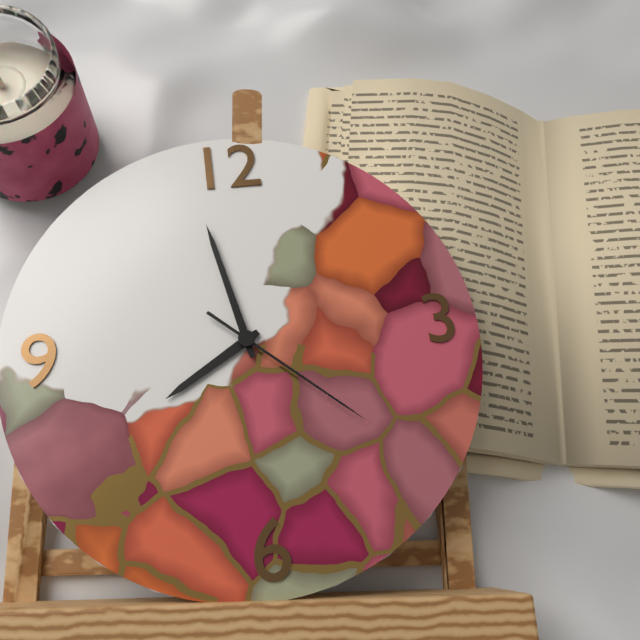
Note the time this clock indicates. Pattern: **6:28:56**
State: **7:58:22**
